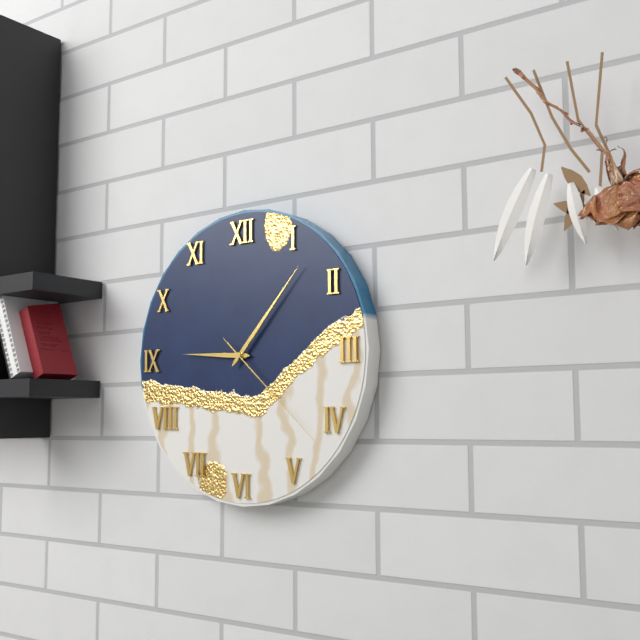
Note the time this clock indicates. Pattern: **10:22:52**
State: **9:07:22**
